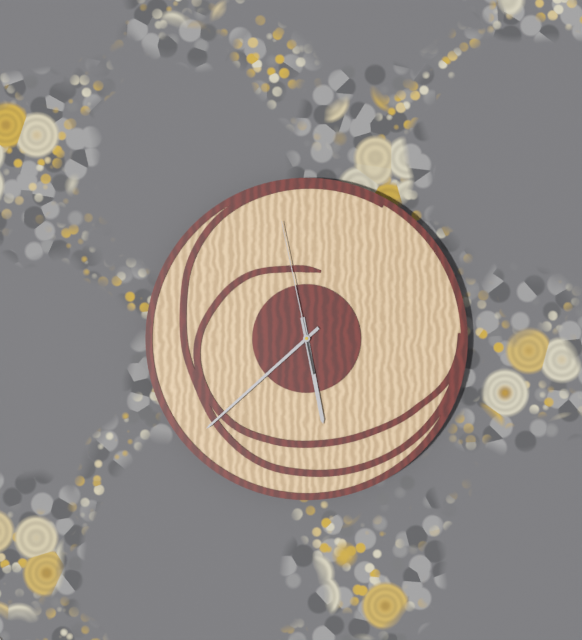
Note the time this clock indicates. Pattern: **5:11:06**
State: **5:38:58**
